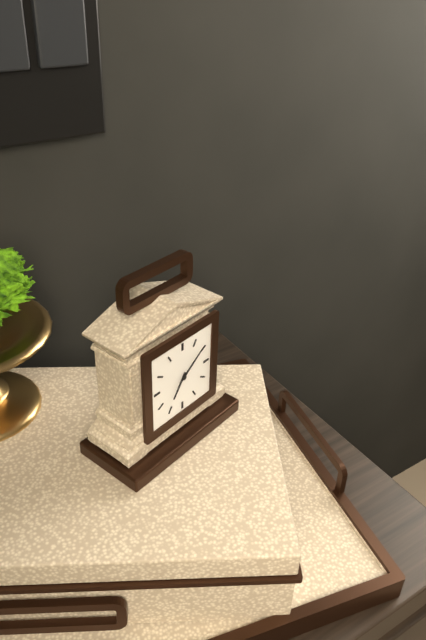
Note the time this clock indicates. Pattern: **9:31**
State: **7:09**
